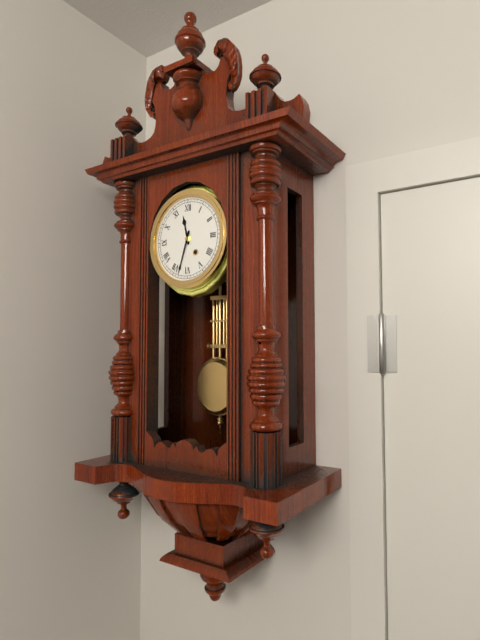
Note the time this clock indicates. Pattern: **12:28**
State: **11:33**
